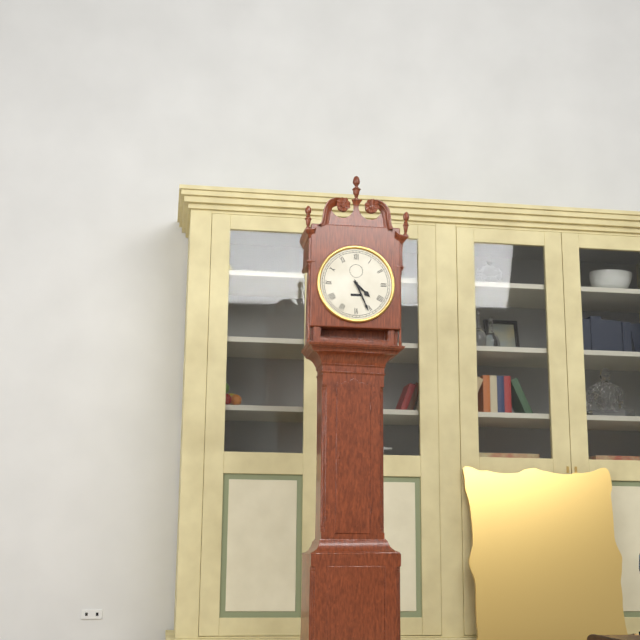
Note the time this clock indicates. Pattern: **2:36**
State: **4:26**
